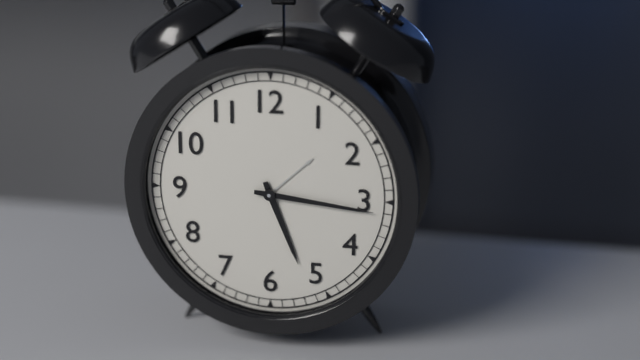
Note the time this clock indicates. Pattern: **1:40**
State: **5:16**
